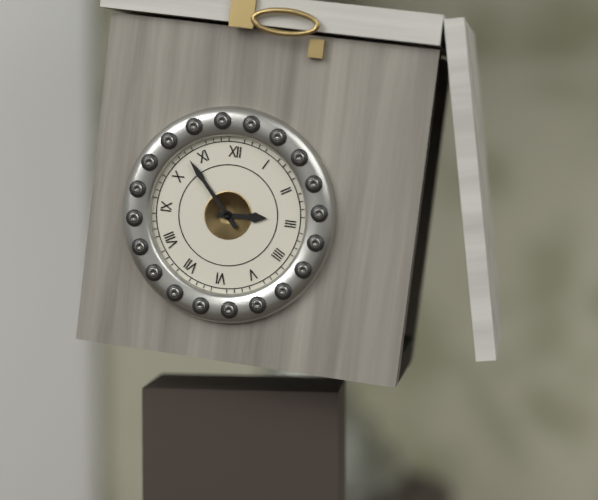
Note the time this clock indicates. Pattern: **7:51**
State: **2:53**
